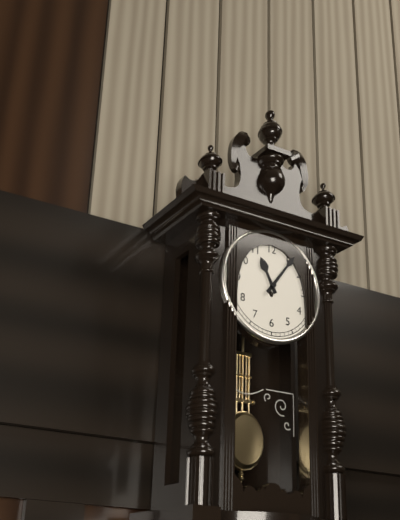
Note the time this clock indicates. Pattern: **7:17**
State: **11:06**
